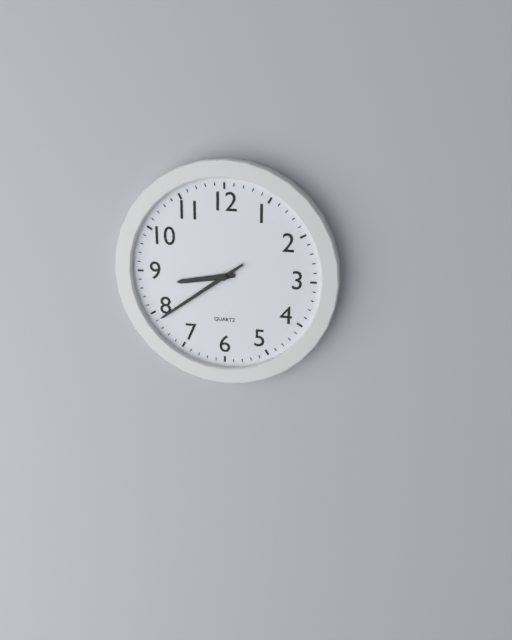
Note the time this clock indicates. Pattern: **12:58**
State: **8:39**
